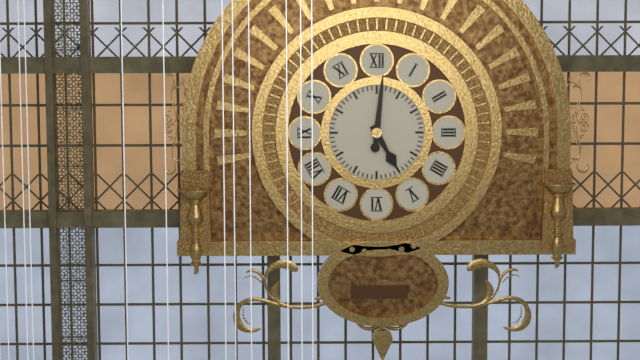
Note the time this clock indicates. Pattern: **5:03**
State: **5:01**
